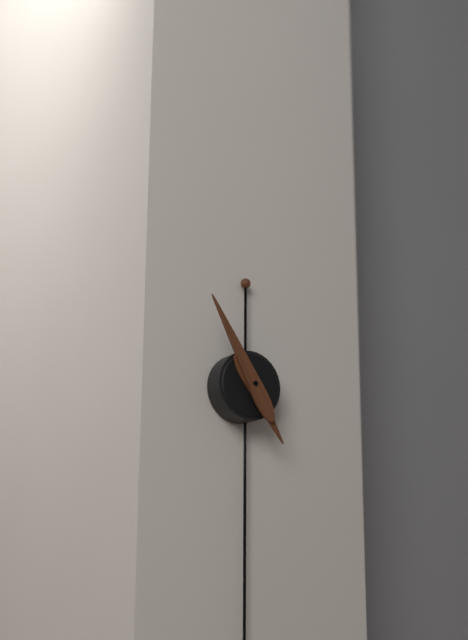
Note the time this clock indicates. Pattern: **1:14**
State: **4:55**
